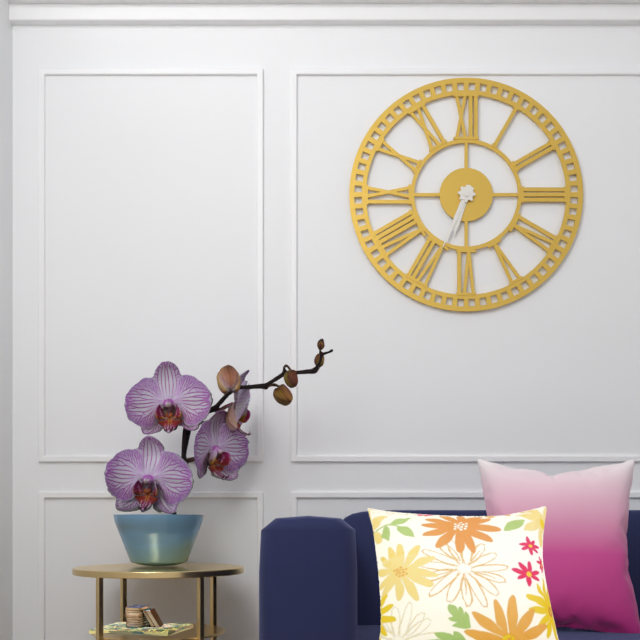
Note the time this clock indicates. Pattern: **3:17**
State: **6:34**
